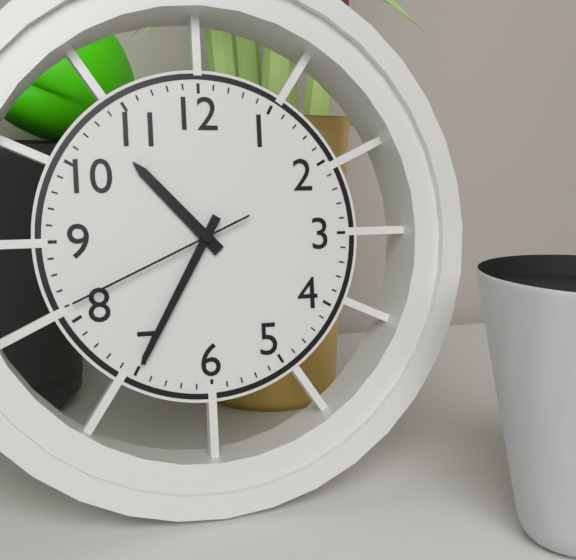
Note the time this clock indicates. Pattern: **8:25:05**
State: **10:35:41**
